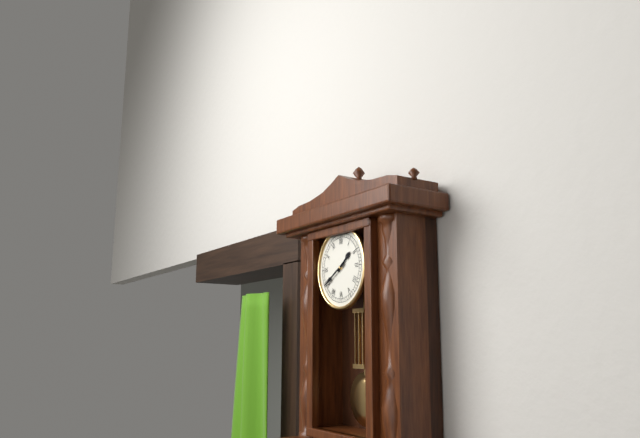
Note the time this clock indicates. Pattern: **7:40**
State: **1:40**
